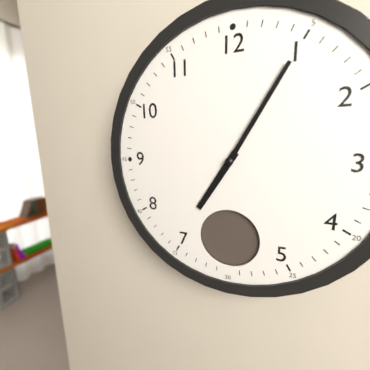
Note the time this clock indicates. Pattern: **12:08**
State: **7:05**
